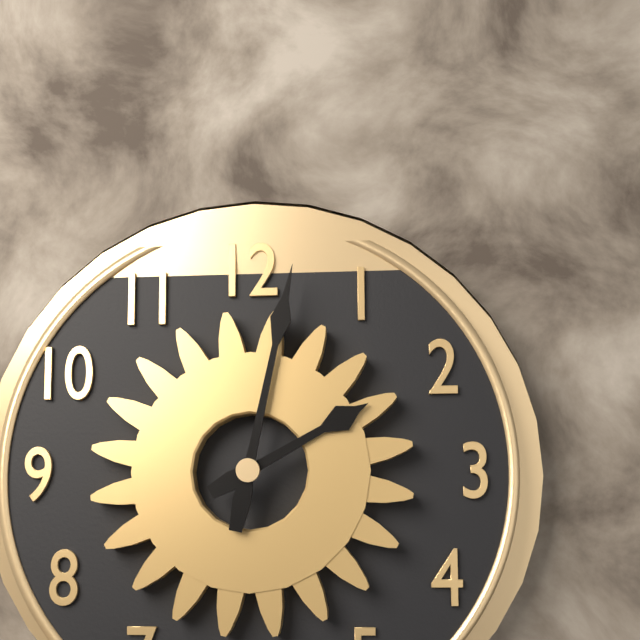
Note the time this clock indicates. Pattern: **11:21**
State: **2:02**
